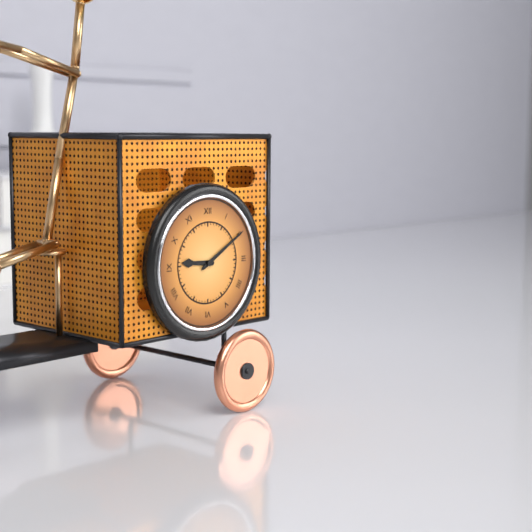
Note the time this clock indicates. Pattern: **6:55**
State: **9:10**
